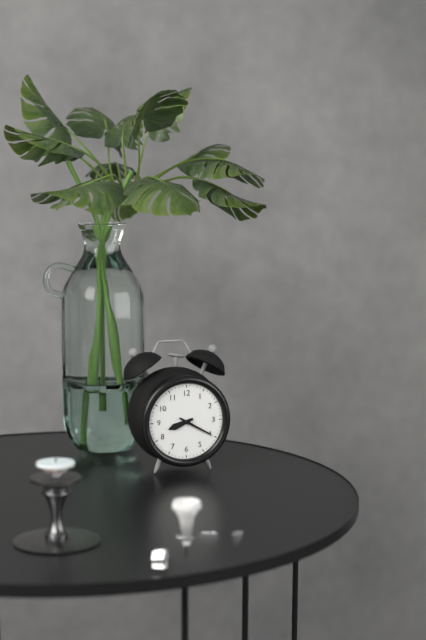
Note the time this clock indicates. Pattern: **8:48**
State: **8:20**
